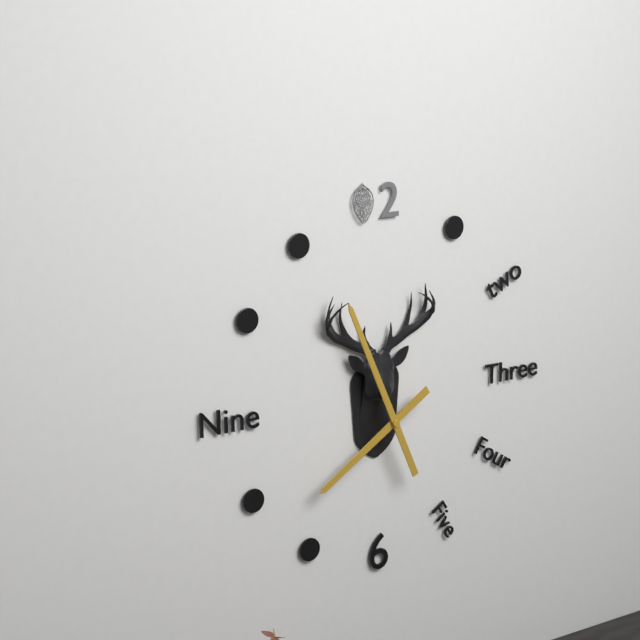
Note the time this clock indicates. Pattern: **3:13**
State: **7:56**
